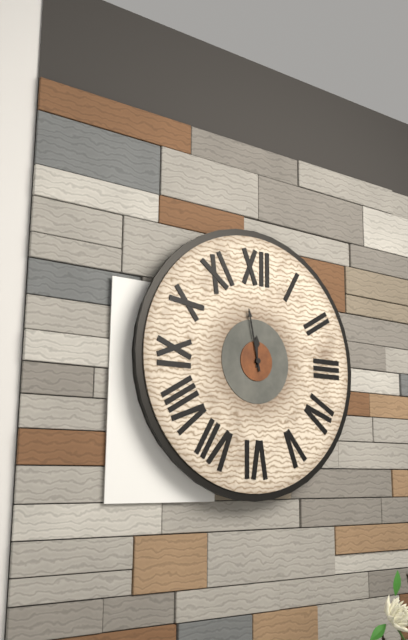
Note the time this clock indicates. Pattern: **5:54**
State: **11:58**
